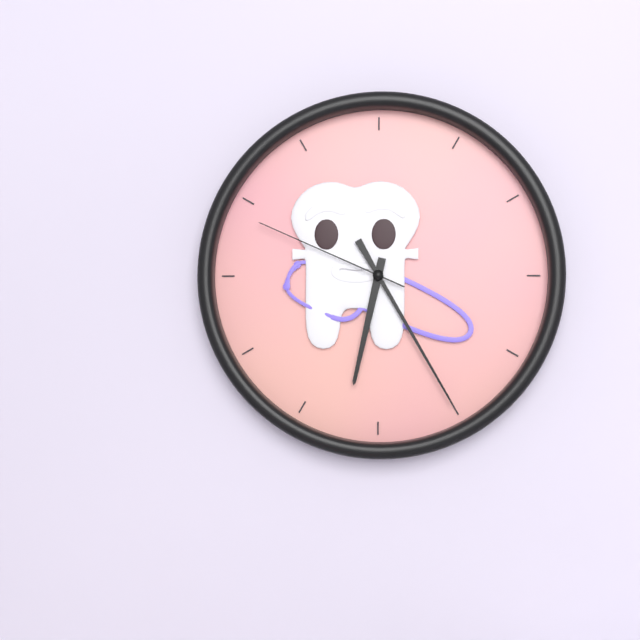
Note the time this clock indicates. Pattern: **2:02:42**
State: **6:25:49**
